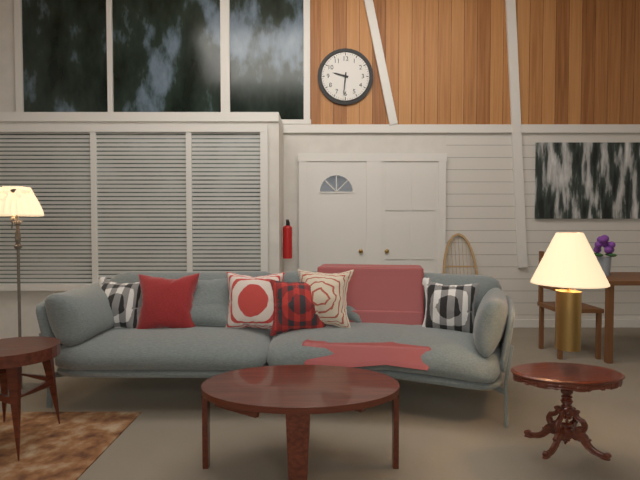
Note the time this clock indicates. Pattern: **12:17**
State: **9:31**
